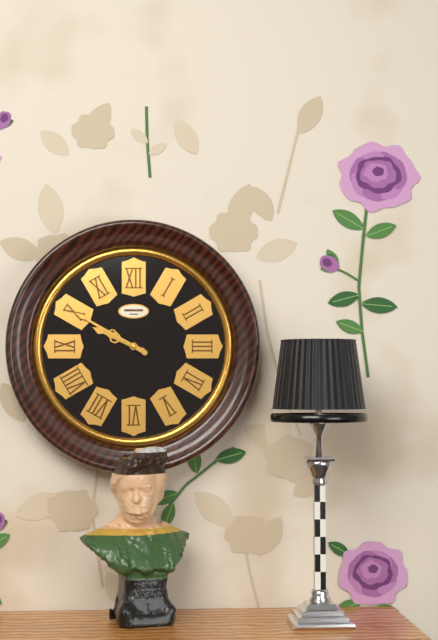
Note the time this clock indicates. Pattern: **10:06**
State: **9:50**
